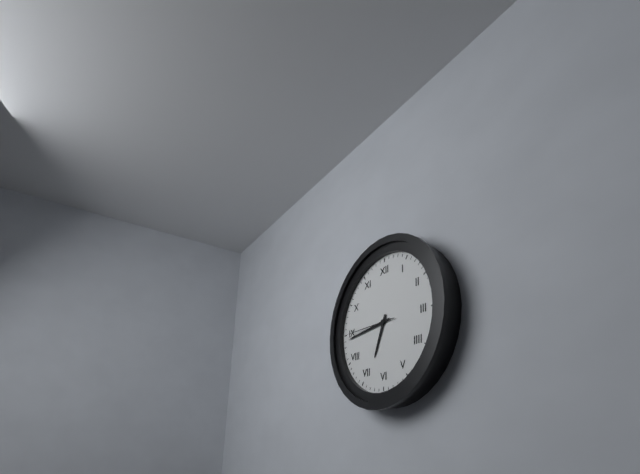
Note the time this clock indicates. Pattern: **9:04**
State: **6:44**
